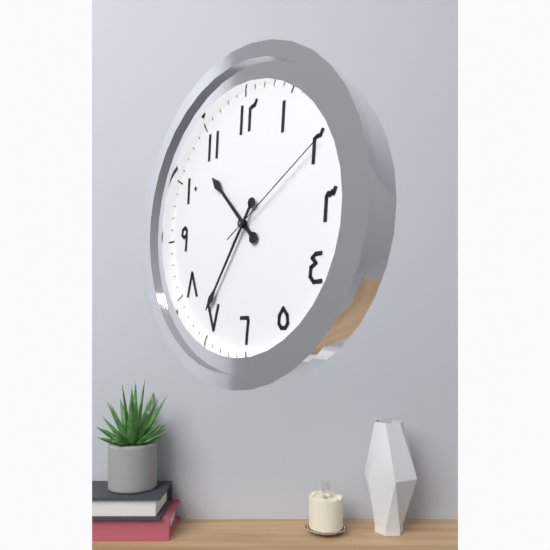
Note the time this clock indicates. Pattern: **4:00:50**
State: **10:36:10**
